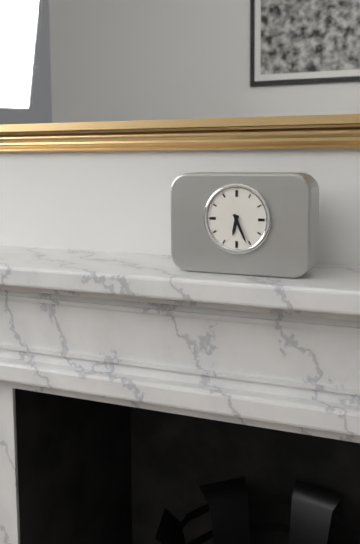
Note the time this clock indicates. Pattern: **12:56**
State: **6:26**
